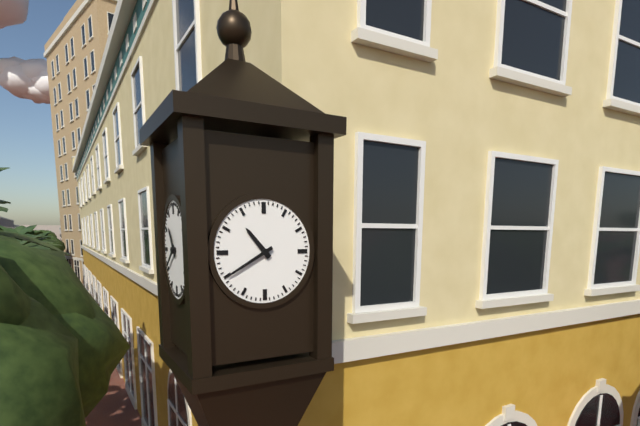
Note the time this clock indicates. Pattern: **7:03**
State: **10:40**
